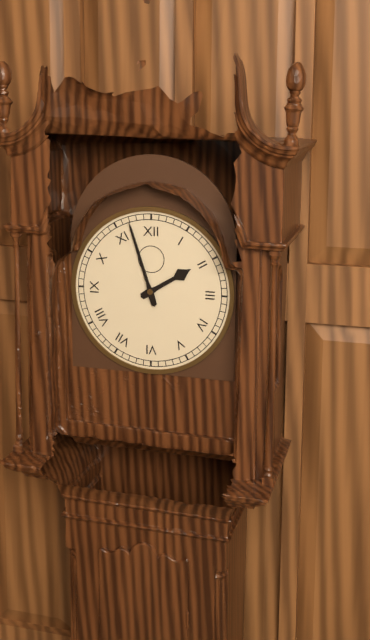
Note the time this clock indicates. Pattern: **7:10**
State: **1:57**
